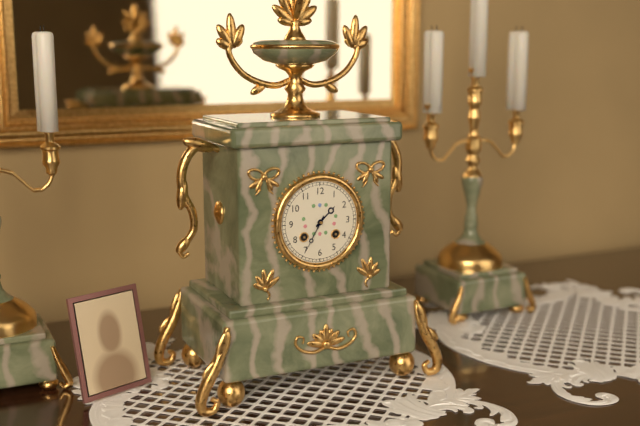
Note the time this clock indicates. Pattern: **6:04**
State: **1:35**
